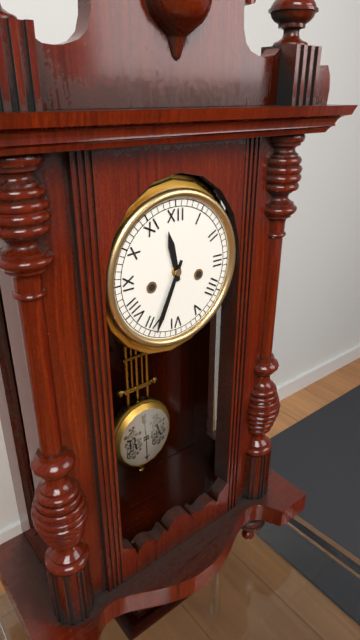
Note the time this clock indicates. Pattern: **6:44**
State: **11:34**
